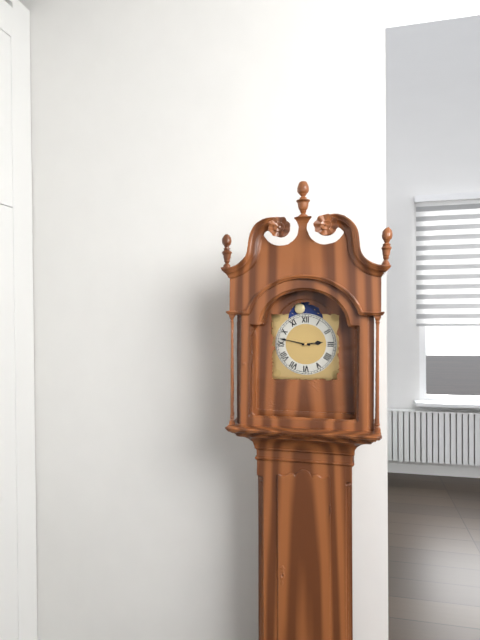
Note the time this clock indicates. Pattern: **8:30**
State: **2:47**
